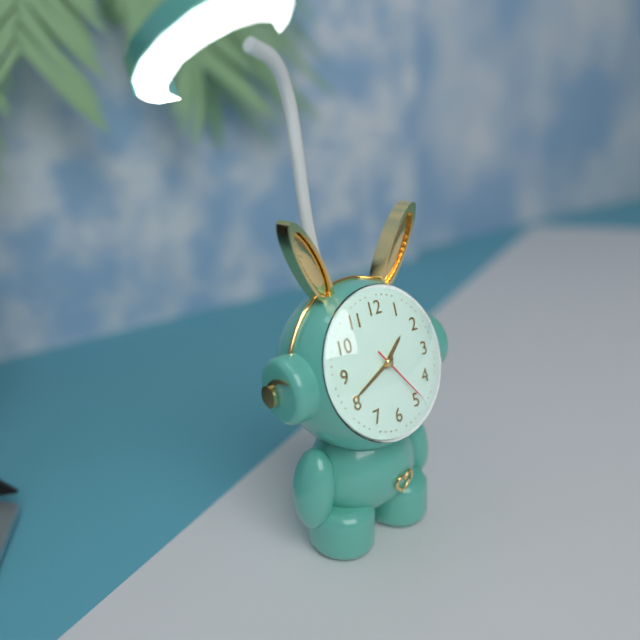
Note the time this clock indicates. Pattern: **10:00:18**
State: **1:41:24**
